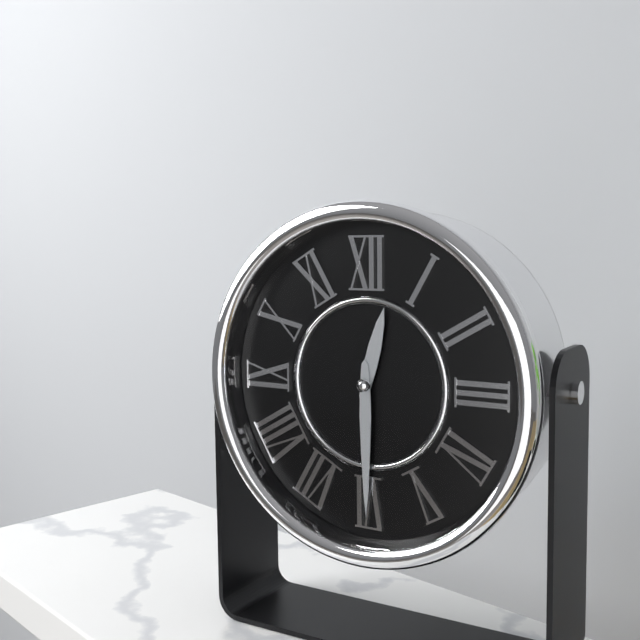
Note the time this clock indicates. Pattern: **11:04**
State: **12:30**
